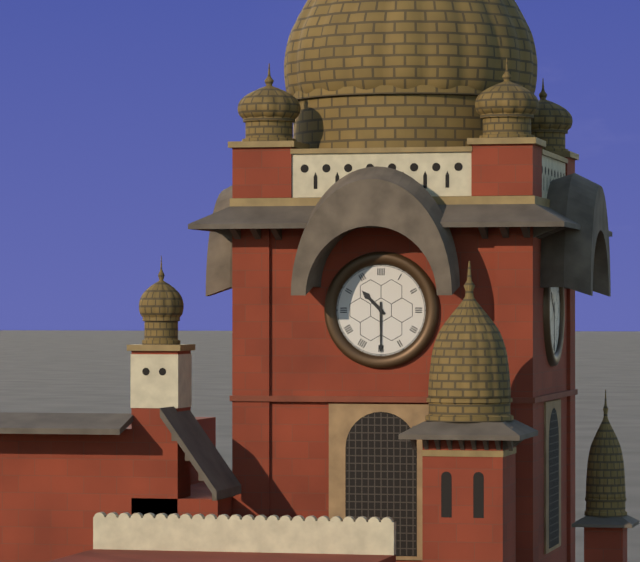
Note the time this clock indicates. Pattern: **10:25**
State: **10:30**
